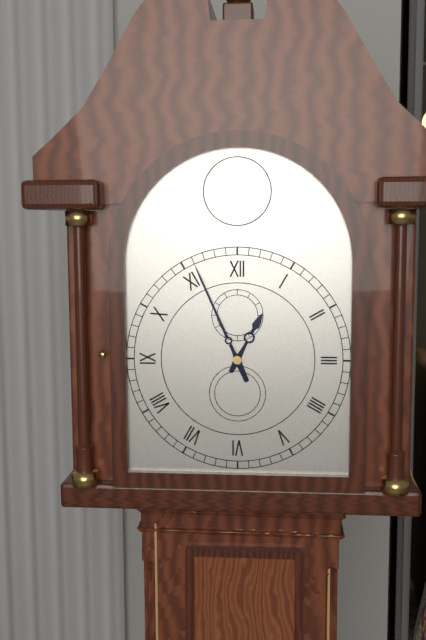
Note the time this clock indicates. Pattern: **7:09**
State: **12:56**
